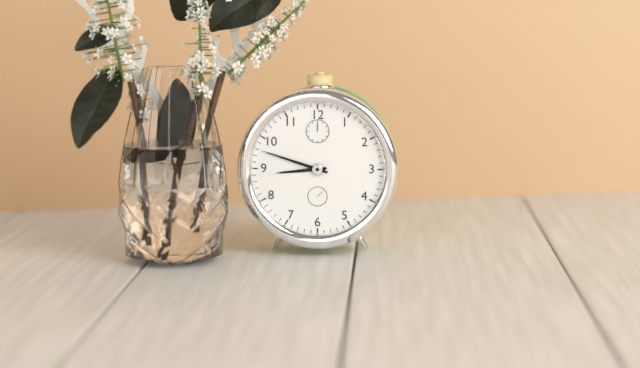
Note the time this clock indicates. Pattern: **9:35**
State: **8:48**
